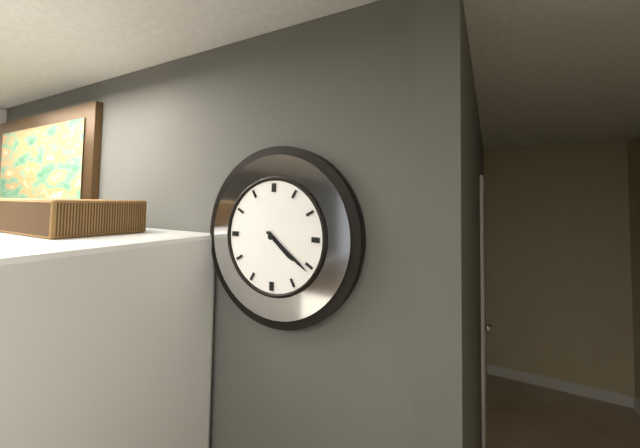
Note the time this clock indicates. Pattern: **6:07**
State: **4:21**
